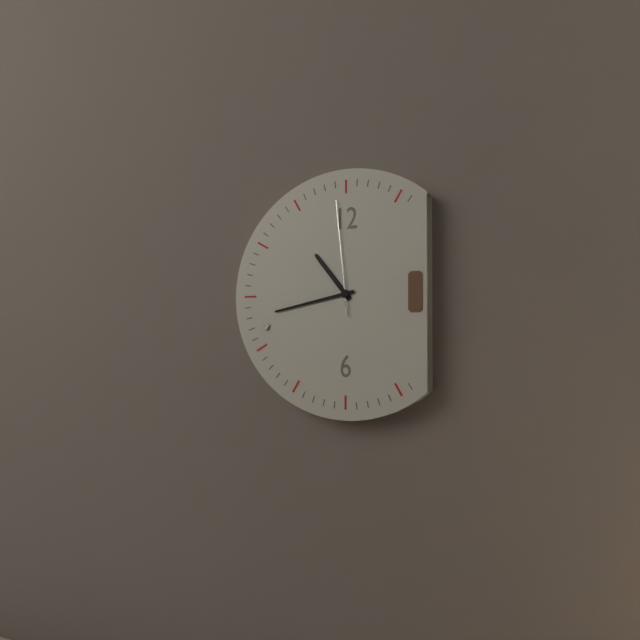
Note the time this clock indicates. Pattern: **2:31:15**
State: **10:43:59**
